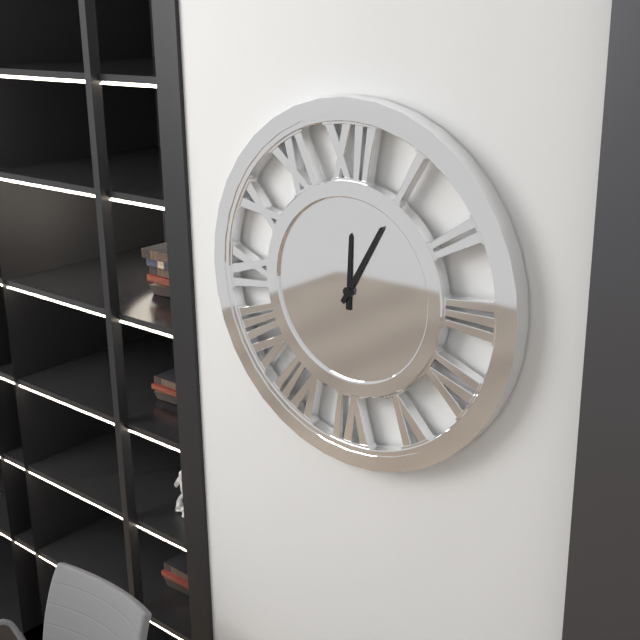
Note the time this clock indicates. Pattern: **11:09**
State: **12:05**
